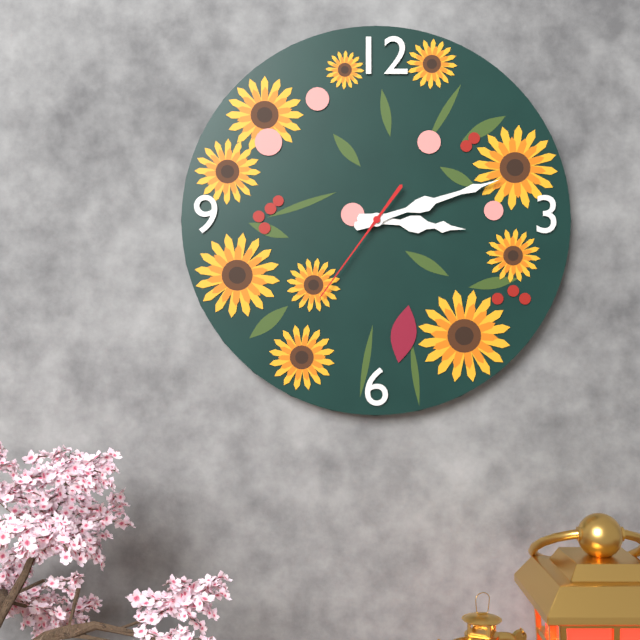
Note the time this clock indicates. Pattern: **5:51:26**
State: **3:12:36**
